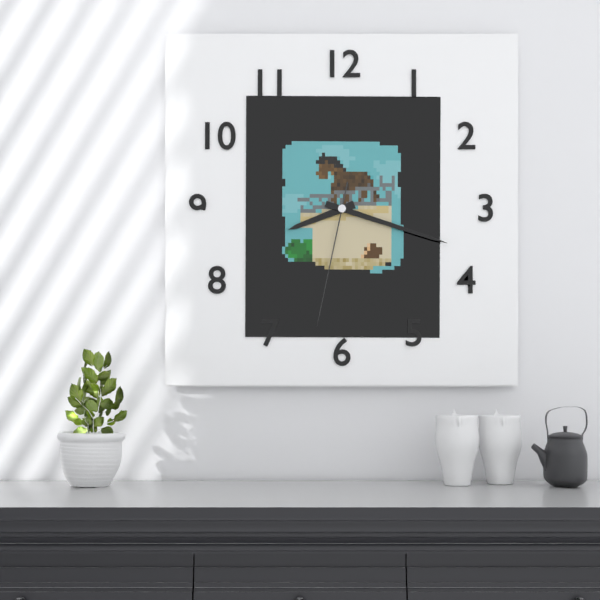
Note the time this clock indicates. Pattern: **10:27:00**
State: **8:18:32**
